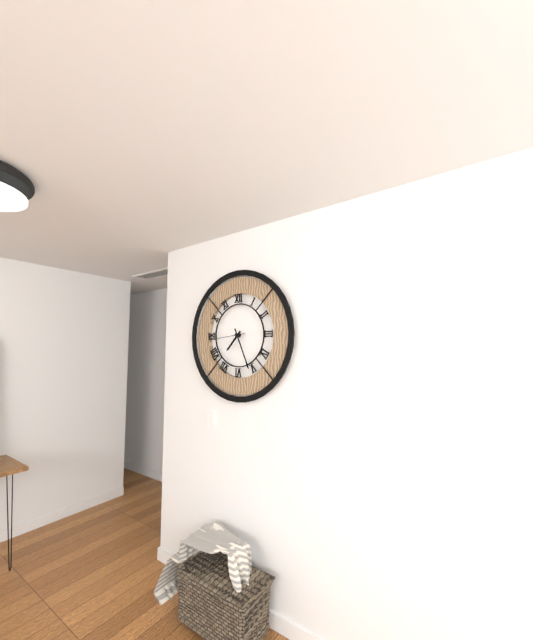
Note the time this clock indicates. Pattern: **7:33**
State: **7:26**
